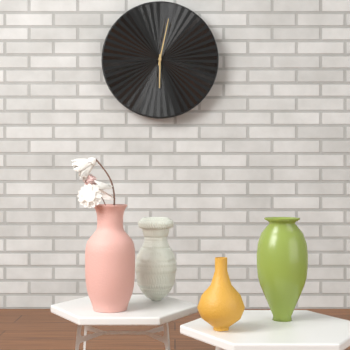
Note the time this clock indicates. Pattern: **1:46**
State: **6:02**
